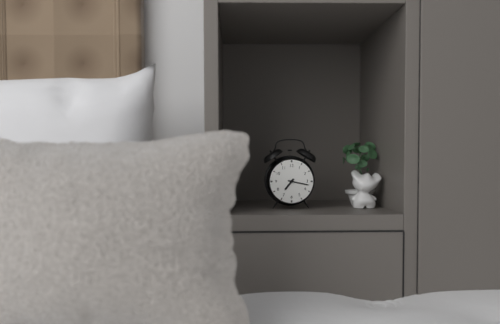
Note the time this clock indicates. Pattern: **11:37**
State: **7:17**
